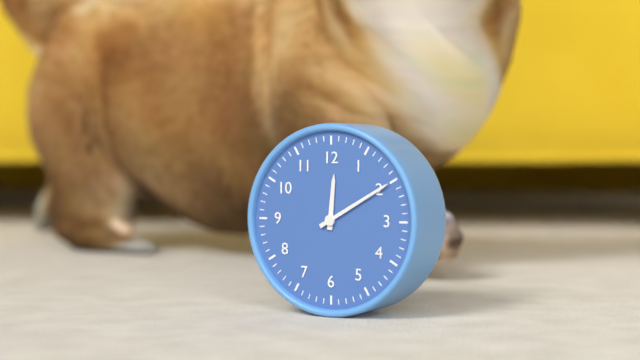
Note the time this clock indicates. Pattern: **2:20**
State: **12:10**
